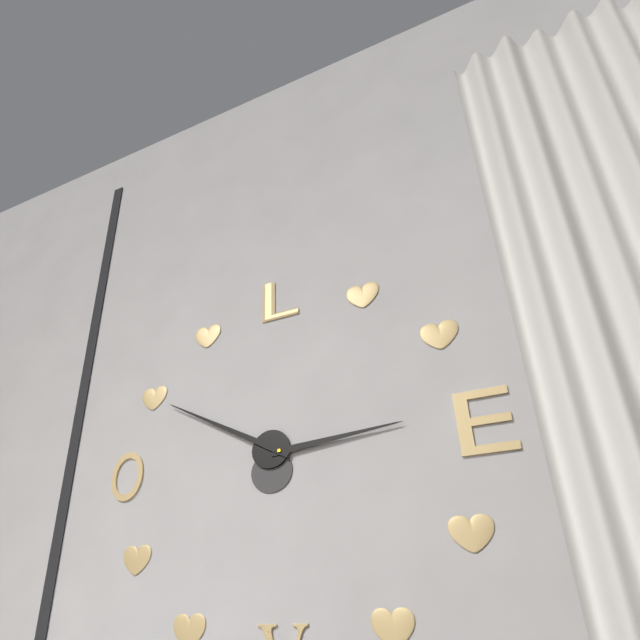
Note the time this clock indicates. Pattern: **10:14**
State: **2:50**
